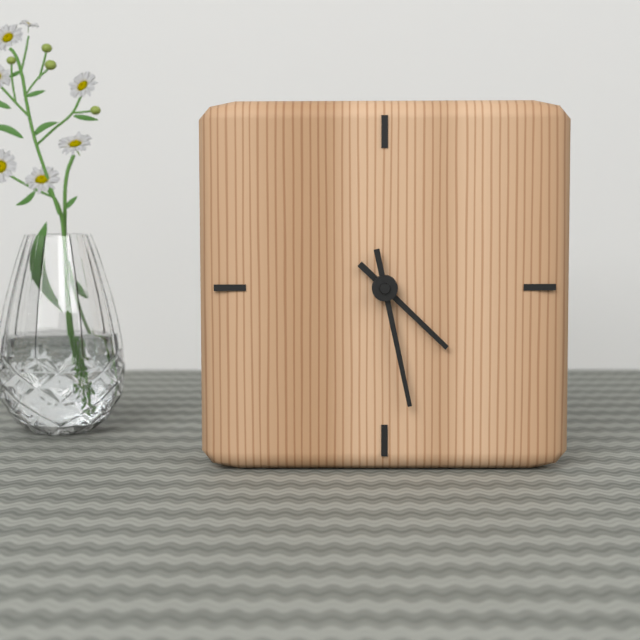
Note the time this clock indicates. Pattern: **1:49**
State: **4:28**
